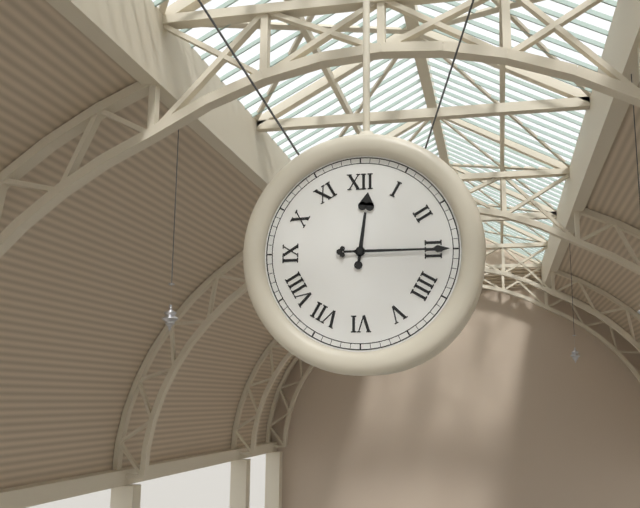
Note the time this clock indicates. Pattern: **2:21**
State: **12:15**
